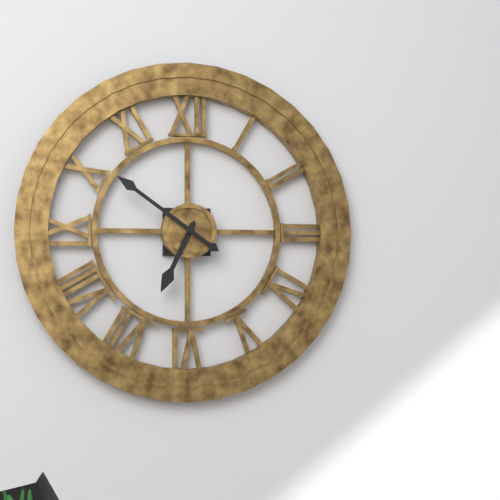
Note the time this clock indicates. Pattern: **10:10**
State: **6:51**
